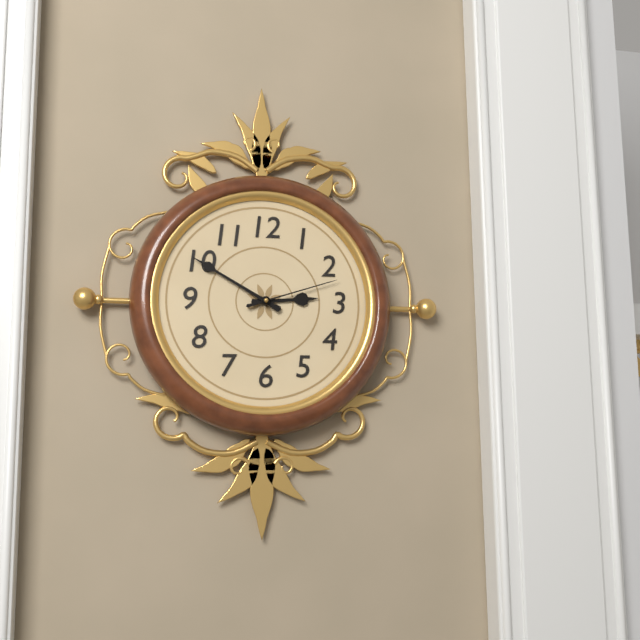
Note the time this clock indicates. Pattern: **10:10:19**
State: **2:50:12**
